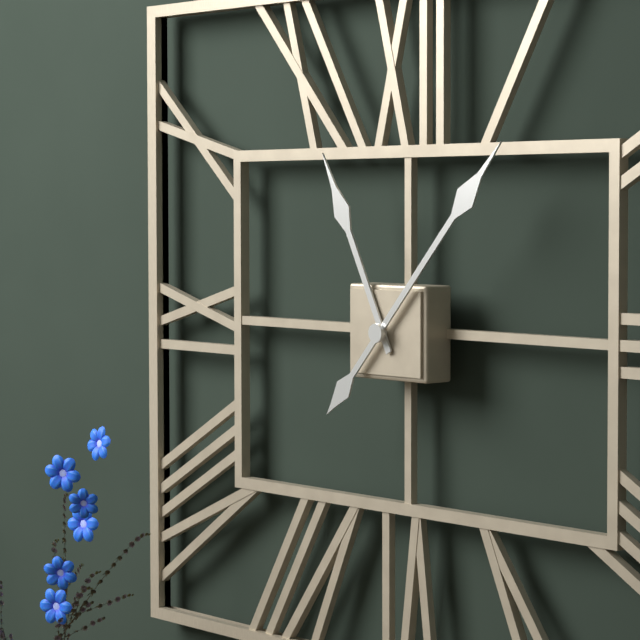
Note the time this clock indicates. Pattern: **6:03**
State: **11:07**
